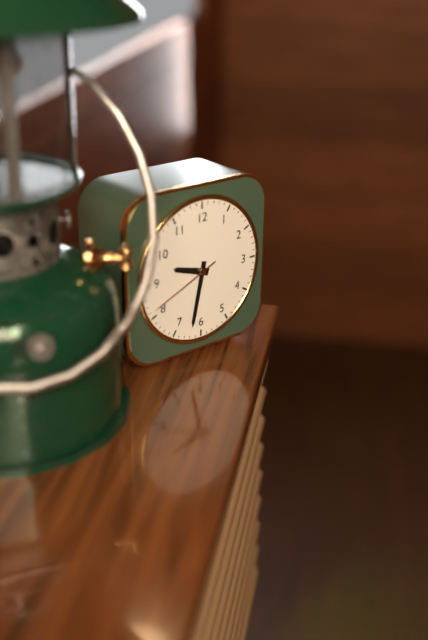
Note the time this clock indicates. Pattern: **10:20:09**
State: **9:32:41**
